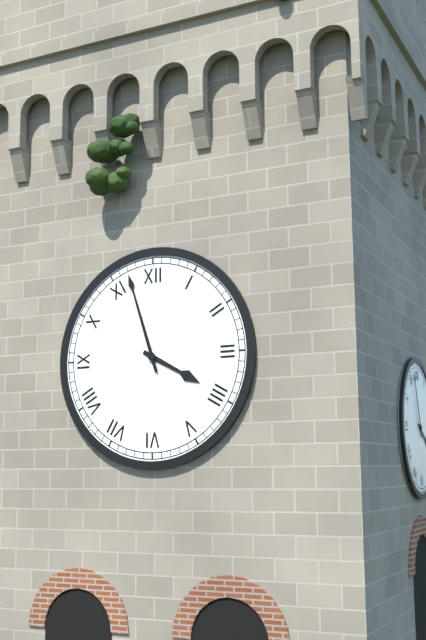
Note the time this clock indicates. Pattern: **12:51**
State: **3:57**
